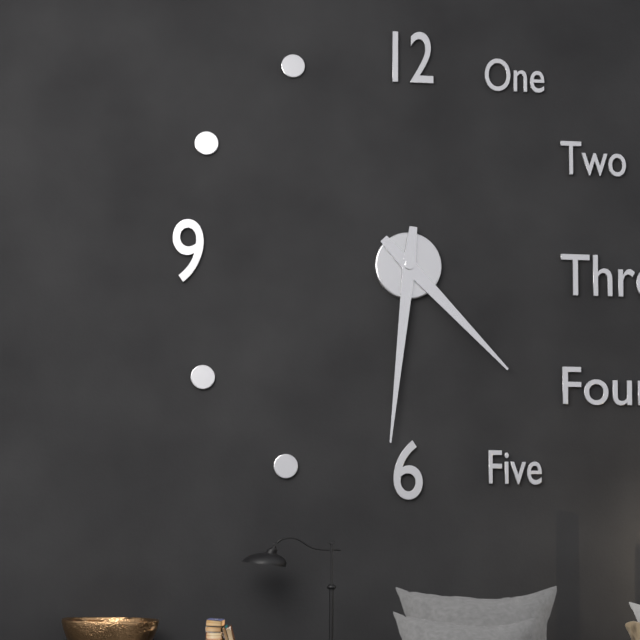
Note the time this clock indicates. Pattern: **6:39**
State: **4:31**
